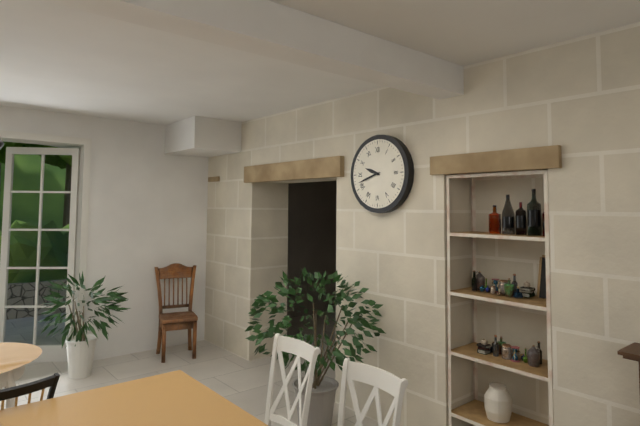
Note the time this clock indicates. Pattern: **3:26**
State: **9:42**
